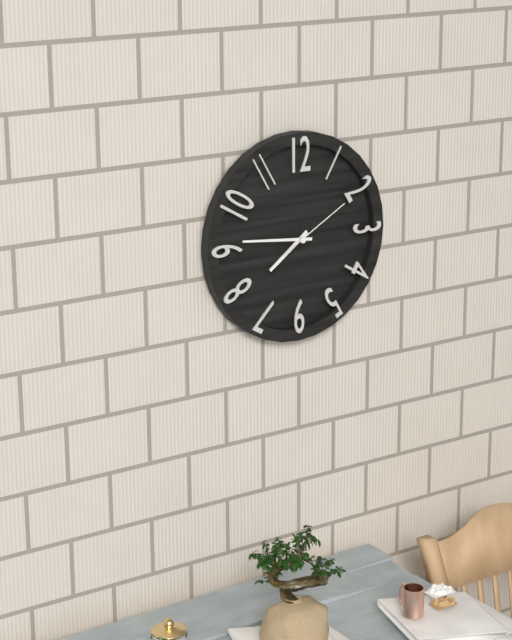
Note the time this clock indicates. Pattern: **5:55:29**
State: **7:46:10**
